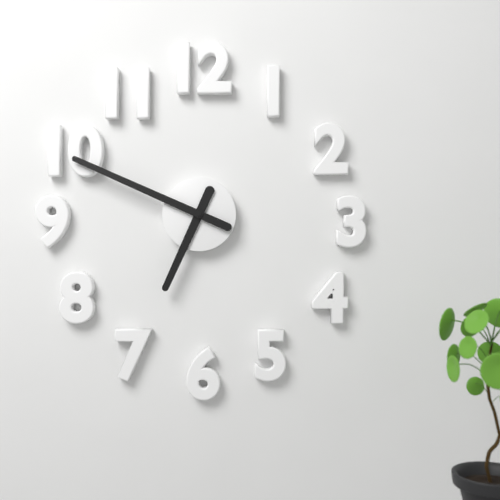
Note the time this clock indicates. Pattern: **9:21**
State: **6:49**
